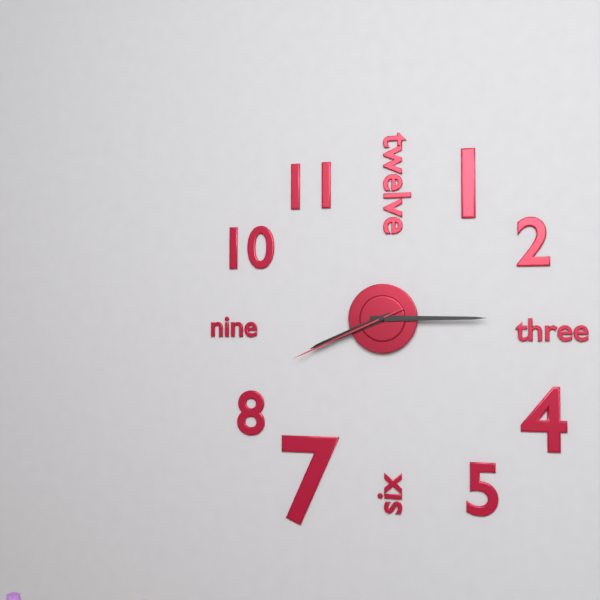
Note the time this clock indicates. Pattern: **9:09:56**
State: **8:15:41**
